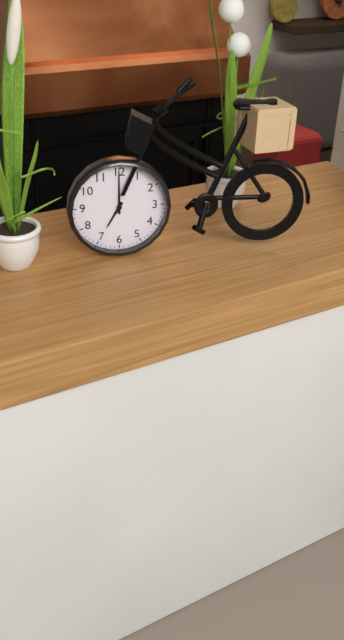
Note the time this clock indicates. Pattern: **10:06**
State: **7:00**
